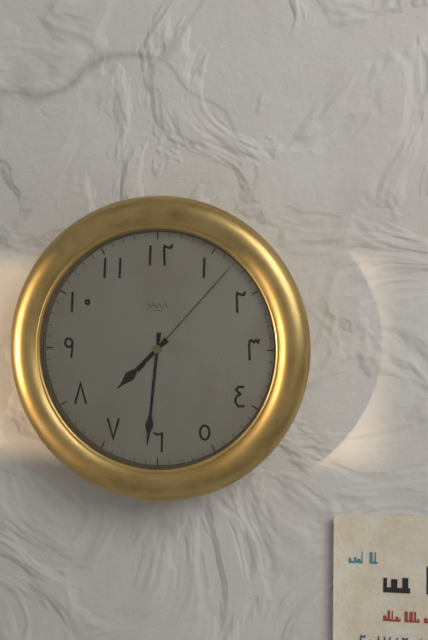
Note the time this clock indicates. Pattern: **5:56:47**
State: **7:31:07**
